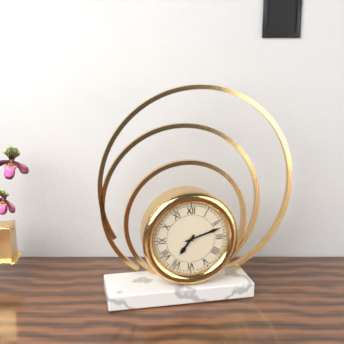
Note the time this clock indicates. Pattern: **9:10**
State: **7:12**
